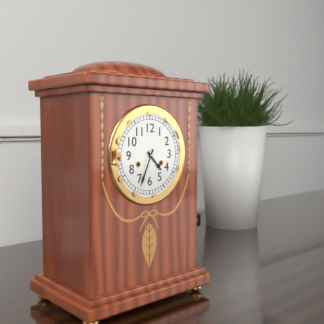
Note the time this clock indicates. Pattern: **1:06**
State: **4:34**
